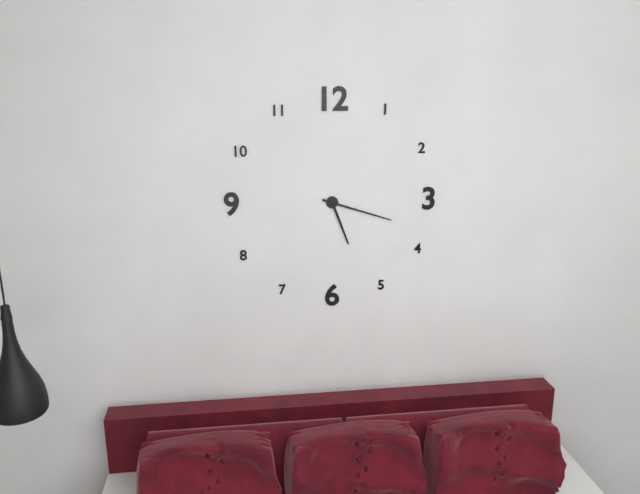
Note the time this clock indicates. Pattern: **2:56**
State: **5:18**
